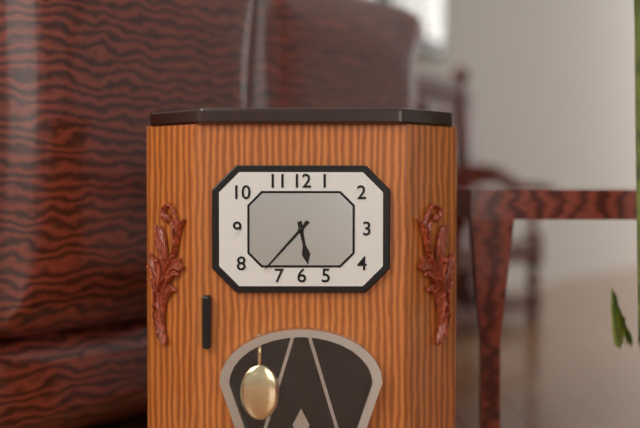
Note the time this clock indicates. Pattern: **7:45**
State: **5:37**
